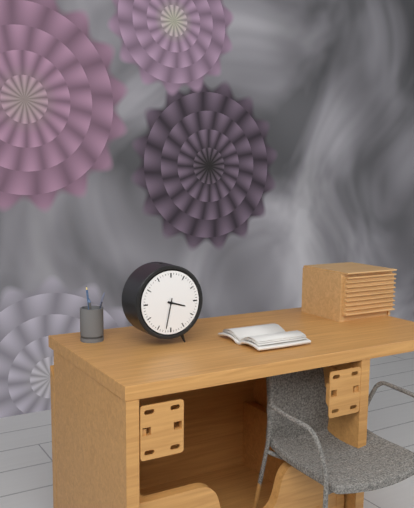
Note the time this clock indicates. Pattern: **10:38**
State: **3:32**
